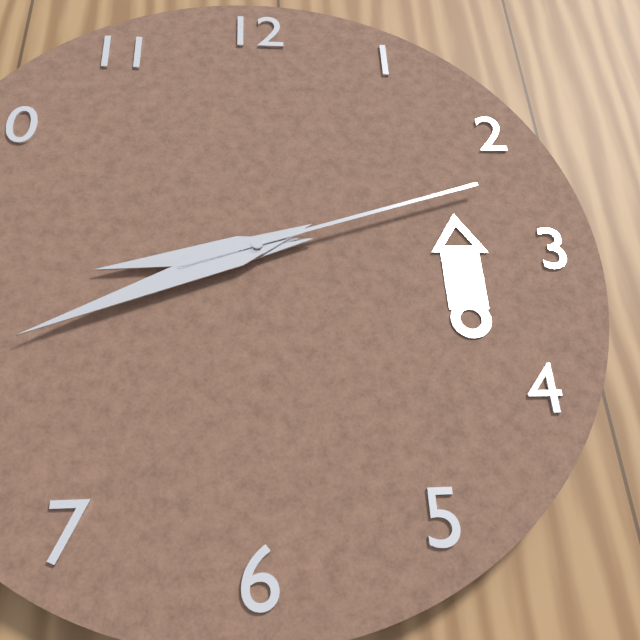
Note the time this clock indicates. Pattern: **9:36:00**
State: **8:41:12**
